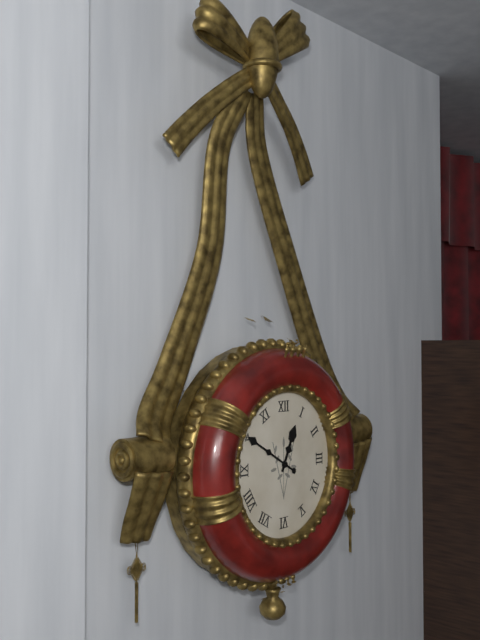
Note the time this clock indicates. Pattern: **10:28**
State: **12:50**
